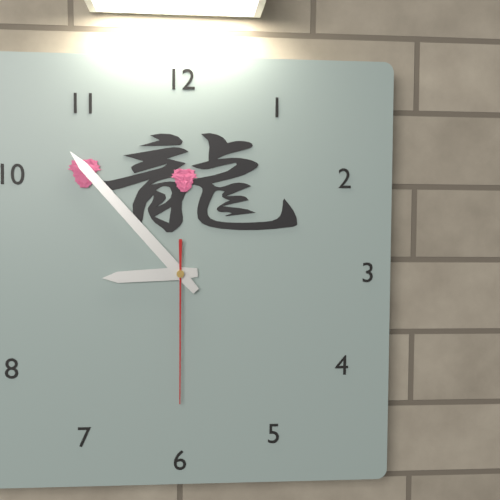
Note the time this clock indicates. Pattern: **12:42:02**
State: **8:53:30**
